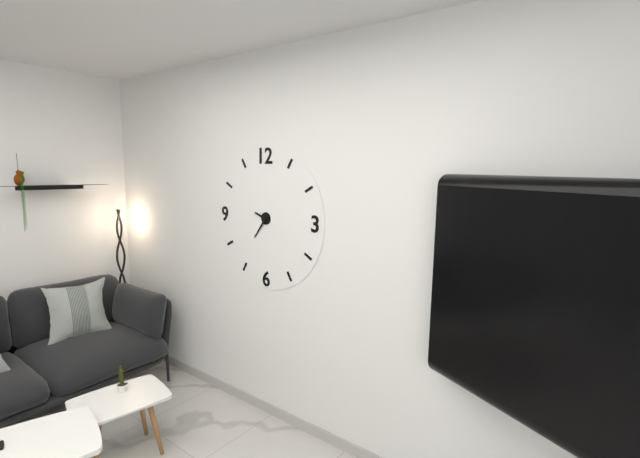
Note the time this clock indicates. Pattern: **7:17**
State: **9:36**
